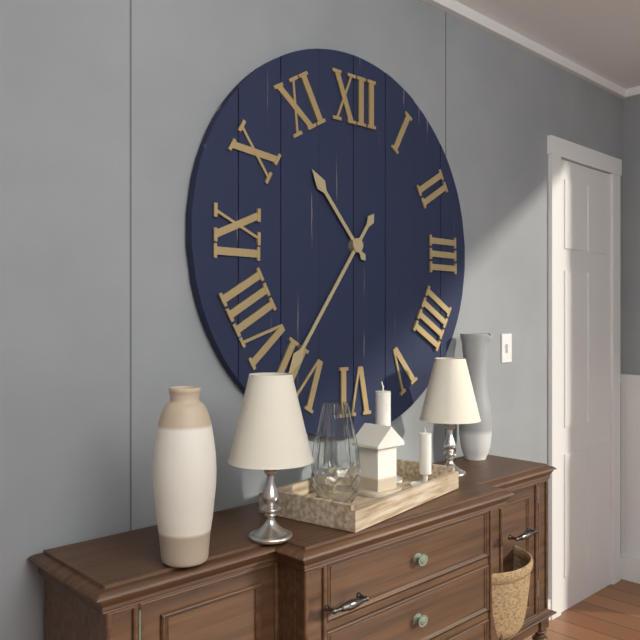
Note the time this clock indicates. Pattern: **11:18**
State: **10:36**
